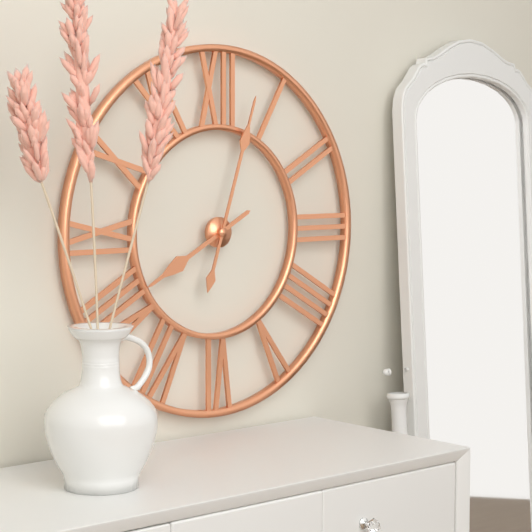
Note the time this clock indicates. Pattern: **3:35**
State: **8:03**
